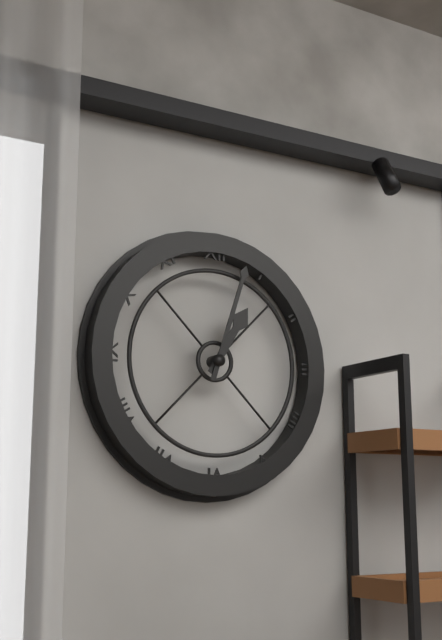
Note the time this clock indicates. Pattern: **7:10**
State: **1:03**
